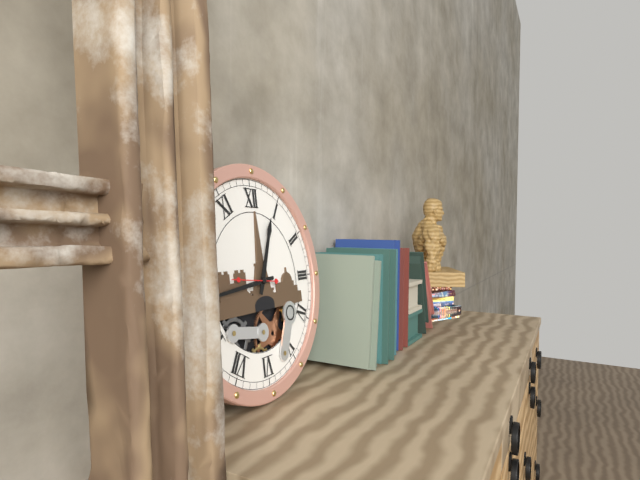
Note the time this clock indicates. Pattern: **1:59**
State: **12:44**
